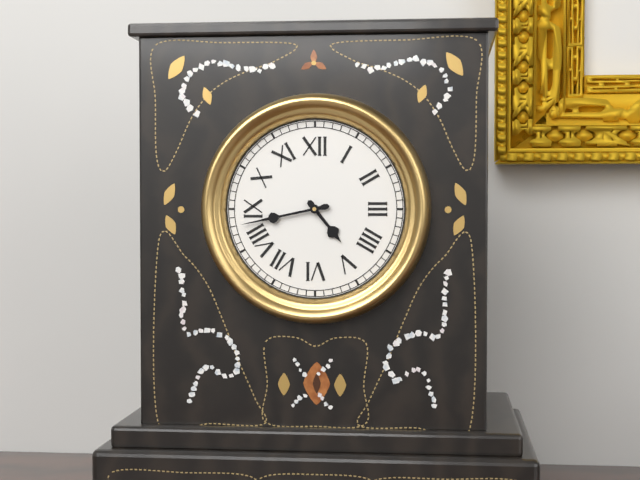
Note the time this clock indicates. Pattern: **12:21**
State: **4:43**
